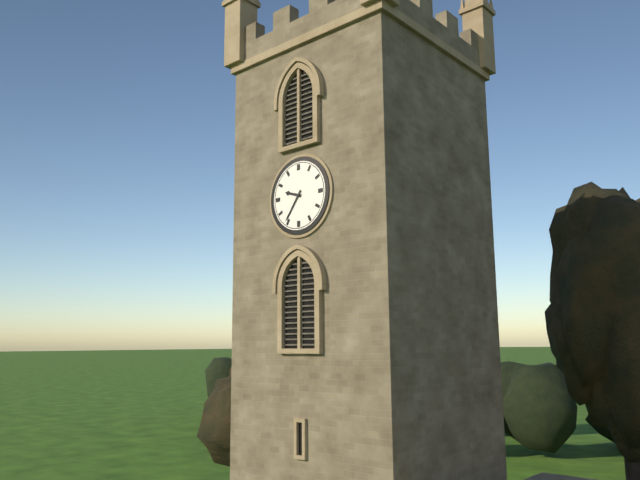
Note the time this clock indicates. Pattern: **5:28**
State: **9:36**
